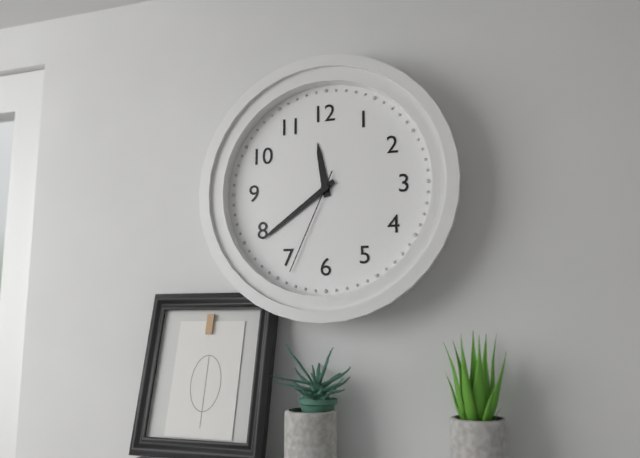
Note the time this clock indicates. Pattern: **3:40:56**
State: **11:39:34**
